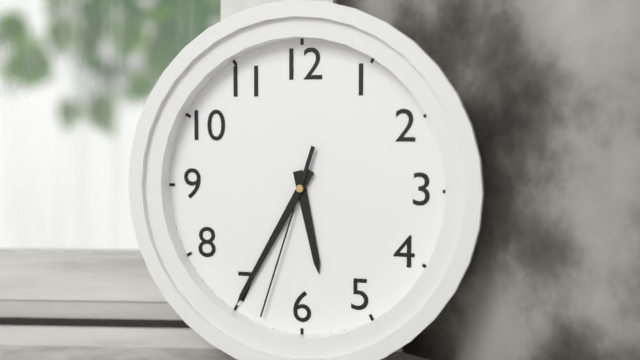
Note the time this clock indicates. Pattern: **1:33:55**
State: **5:35:33**
